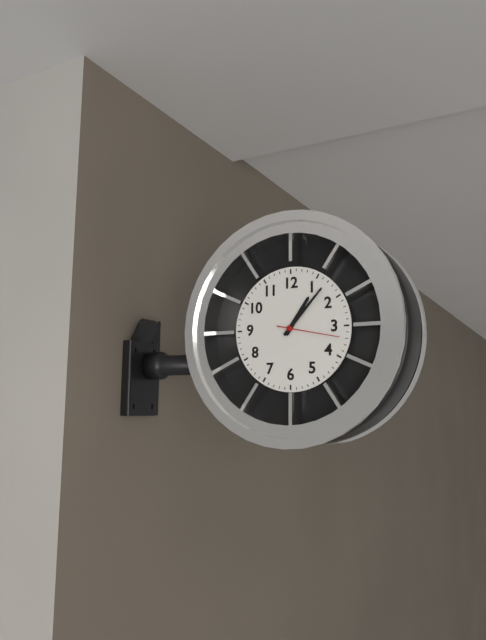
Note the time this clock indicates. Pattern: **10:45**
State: **1:07**
